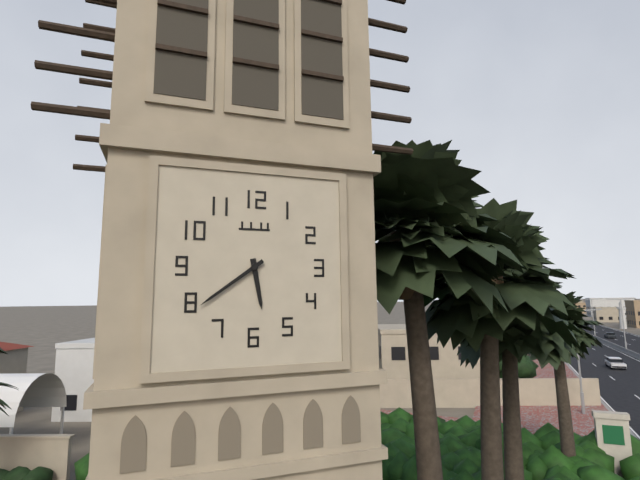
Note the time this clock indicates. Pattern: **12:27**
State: **5:39**
